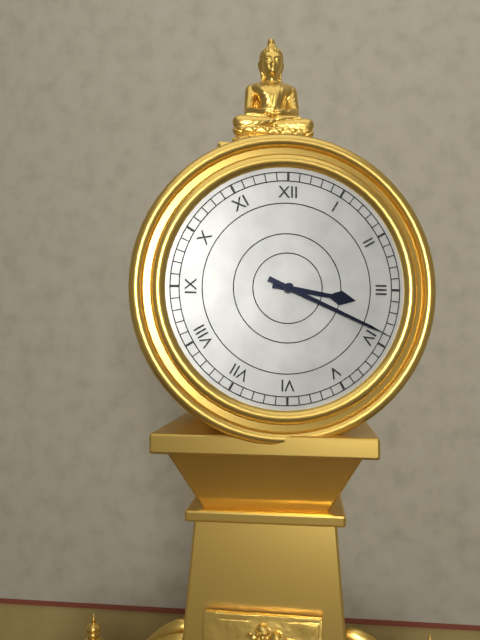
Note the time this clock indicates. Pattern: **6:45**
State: **3:19**
